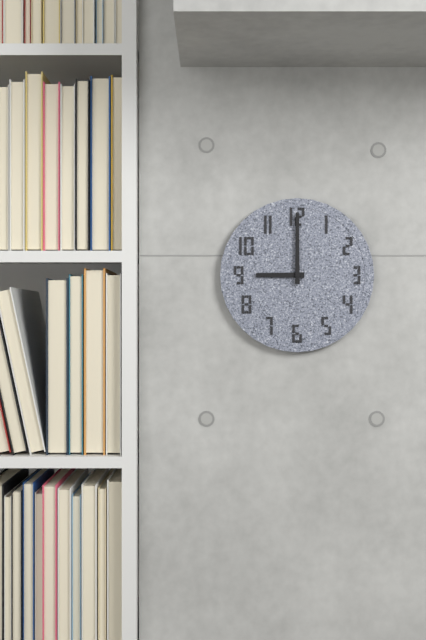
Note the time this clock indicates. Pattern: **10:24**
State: **9:00**
